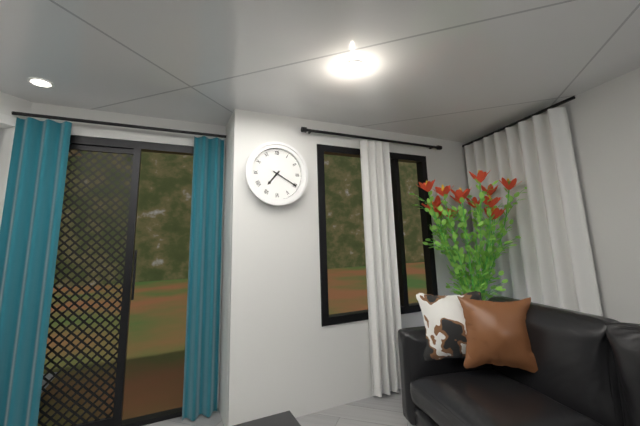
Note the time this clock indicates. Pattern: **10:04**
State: **7:20**
